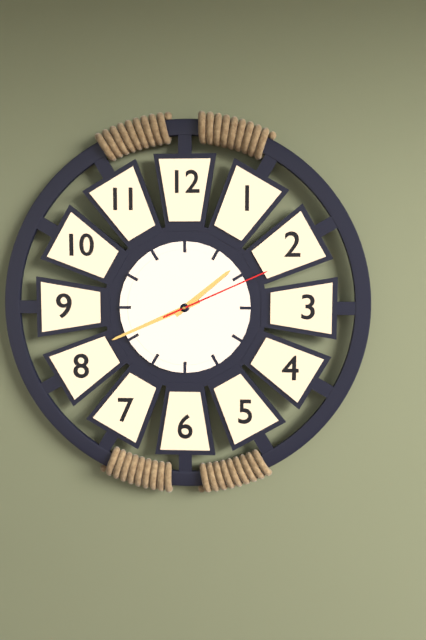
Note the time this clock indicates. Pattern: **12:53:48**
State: **1:41:11**
